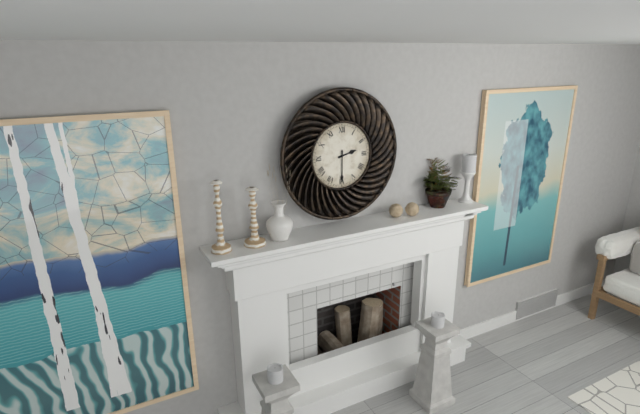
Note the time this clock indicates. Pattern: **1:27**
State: **2:30**
